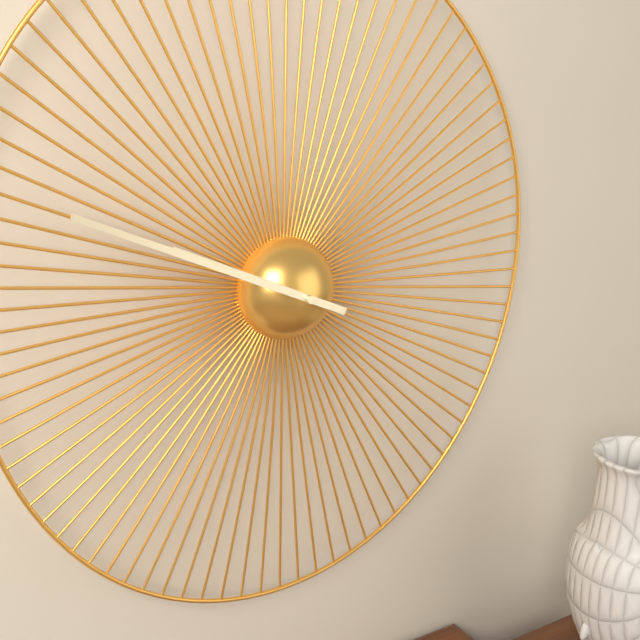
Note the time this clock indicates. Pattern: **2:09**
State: **9:49**
